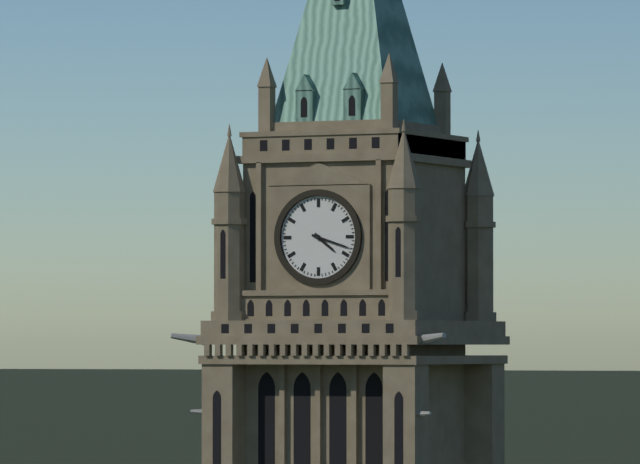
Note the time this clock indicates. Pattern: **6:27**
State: **4:18**
